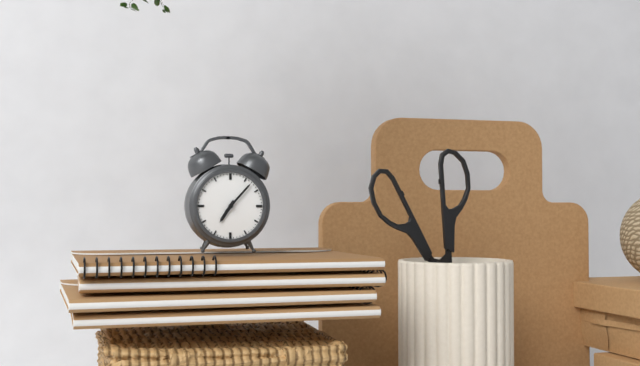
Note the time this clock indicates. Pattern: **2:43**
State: **7:07**
